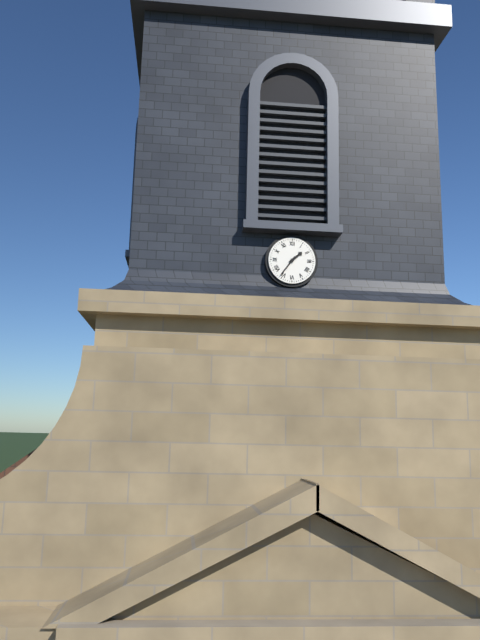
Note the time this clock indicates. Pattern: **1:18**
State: **1:36**
